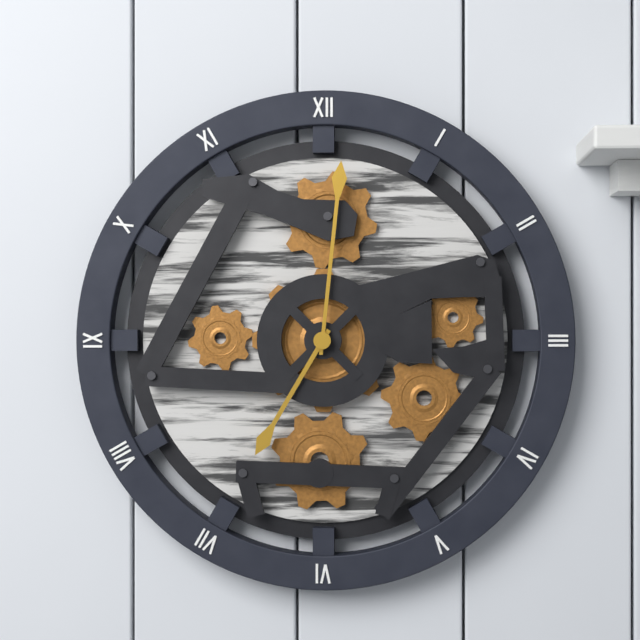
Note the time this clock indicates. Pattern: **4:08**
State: **7:01**
